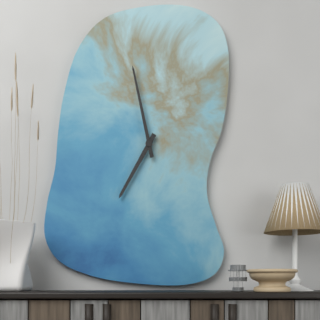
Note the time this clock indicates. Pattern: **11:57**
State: **6:58**
